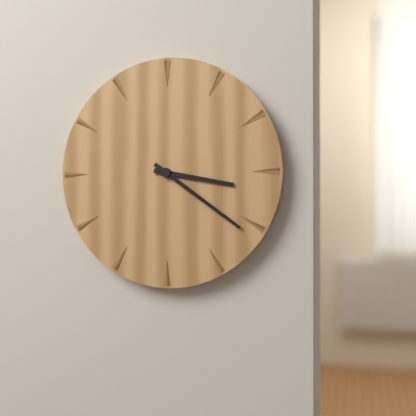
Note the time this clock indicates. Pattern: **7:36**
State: **3:21**
